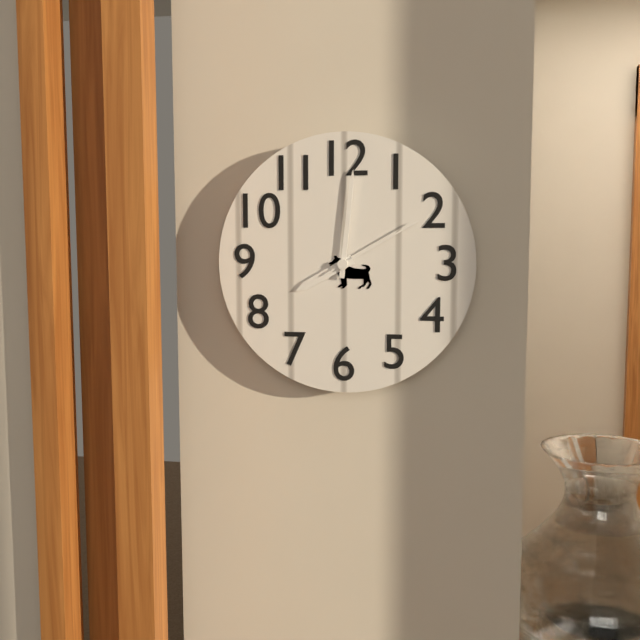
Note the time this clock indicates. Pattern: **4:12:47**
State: **8:01:10**
